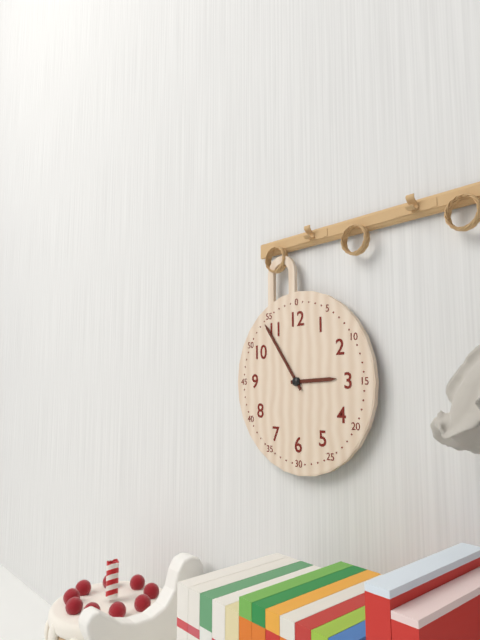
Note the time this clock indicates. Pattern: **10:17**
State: **2:54**
